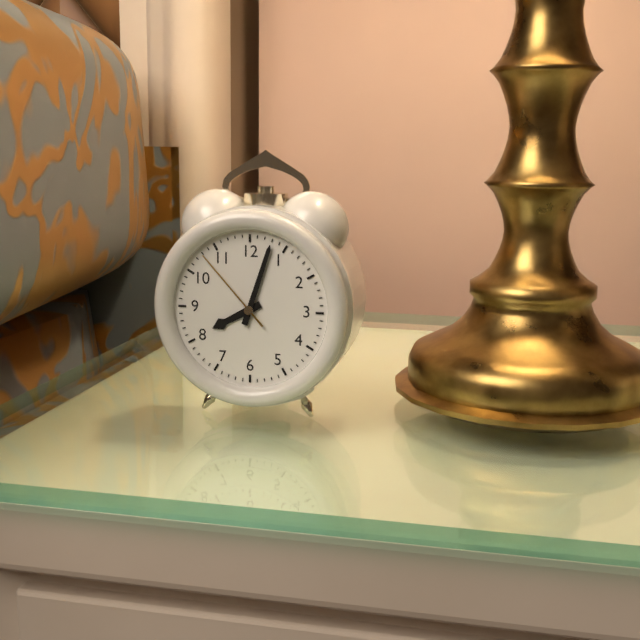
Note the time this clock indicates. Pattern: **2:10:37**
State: **8:03:53**
